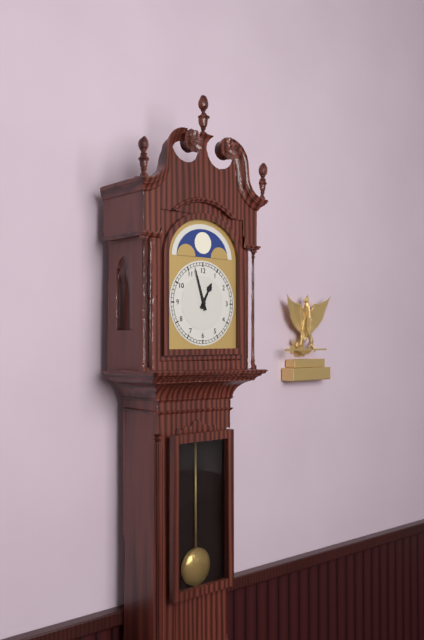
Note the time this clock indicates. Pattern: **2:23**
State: **12:57**
